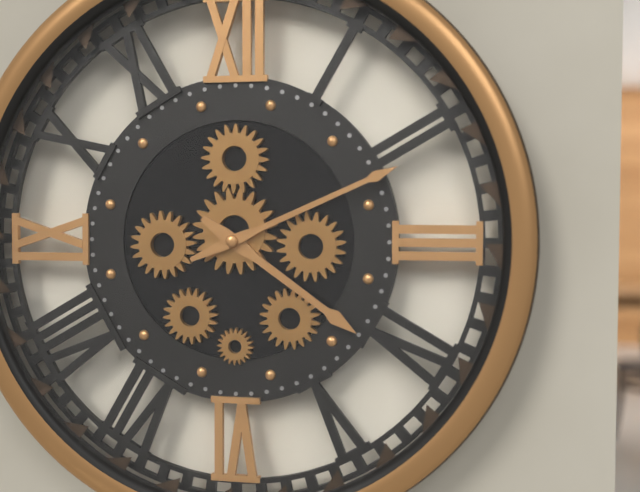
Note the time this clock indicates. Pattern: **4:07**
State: **4:11**
